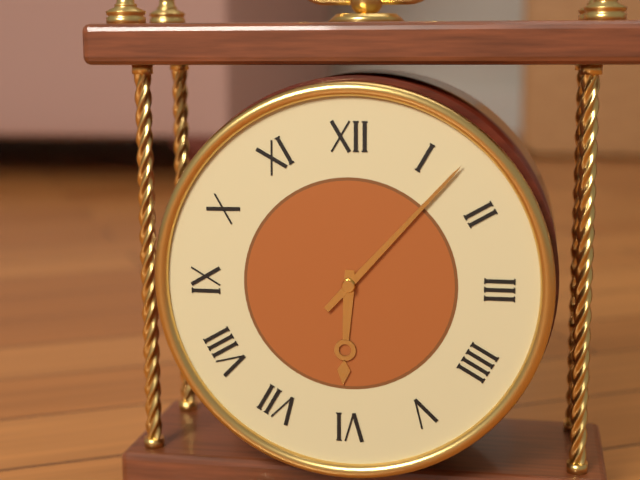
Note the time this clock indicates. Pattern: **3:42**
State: **6:07**
